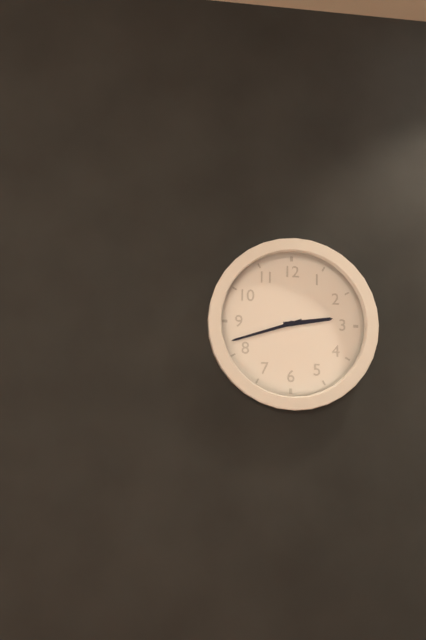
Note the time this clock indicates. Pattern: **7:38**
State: **2:42**
